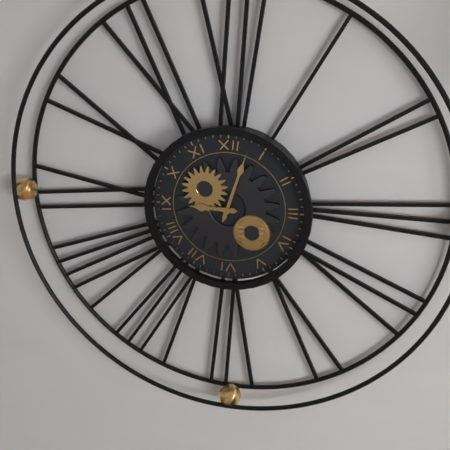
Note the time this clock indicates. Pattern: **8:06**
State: **9:03**
